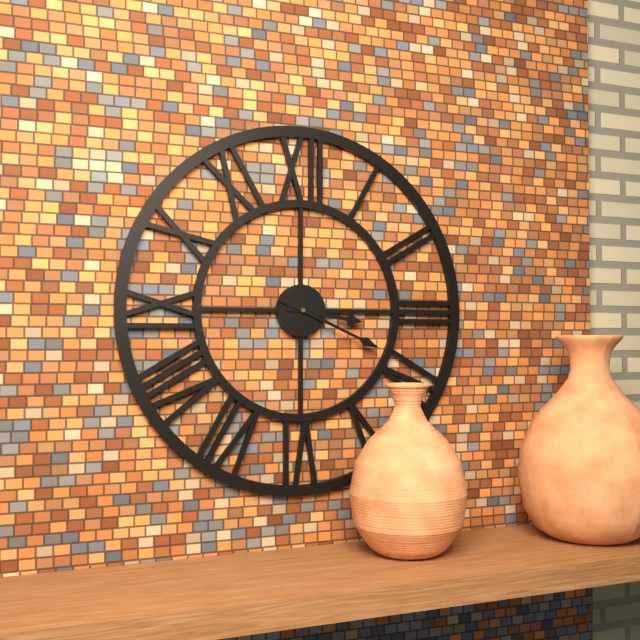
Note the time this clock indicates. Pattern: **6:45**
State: **3:19**
